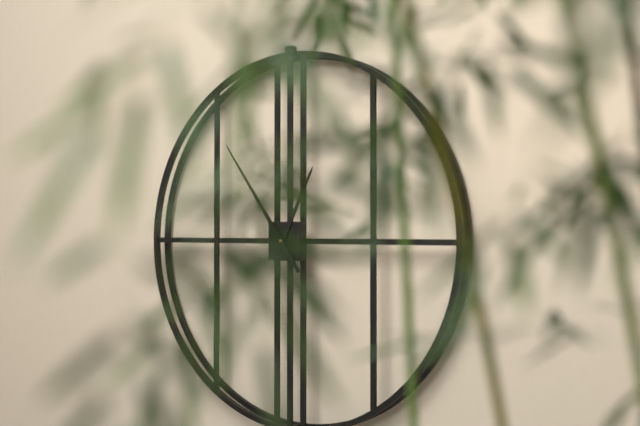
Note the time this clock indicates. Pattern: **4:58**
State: **12:54**
